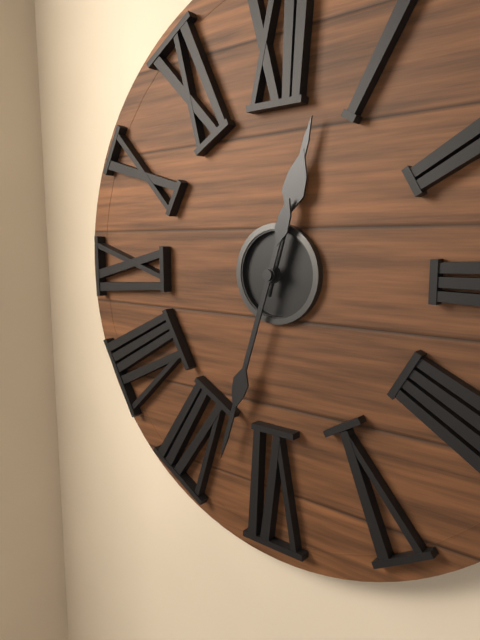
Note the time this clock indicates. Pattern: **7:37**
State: **12:33**
